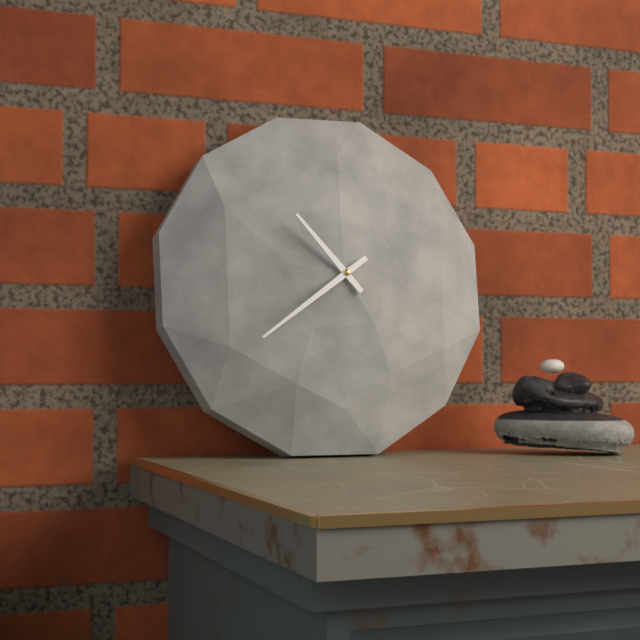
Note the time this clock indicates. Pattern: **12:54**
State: **10:39**
